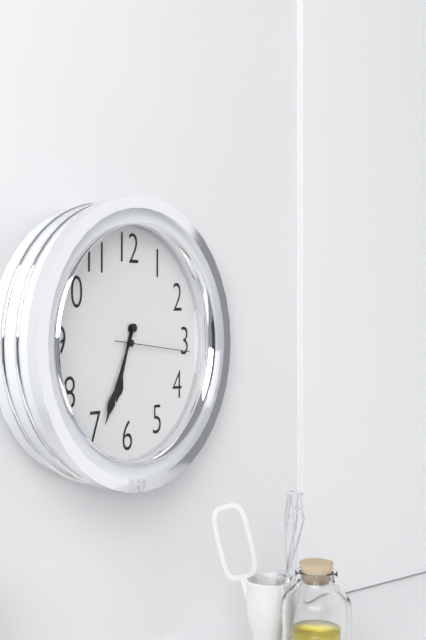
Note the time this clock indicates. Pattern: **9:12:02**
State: **6:34:16**
